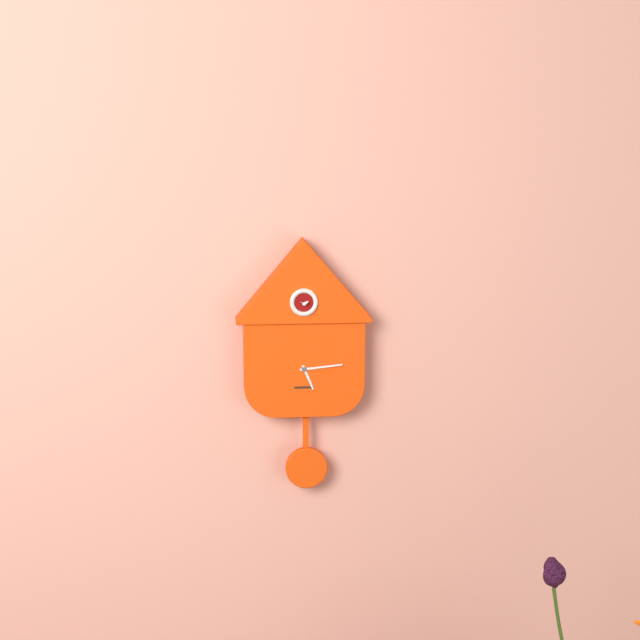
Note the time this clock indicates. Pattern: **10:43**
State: **5:14**
